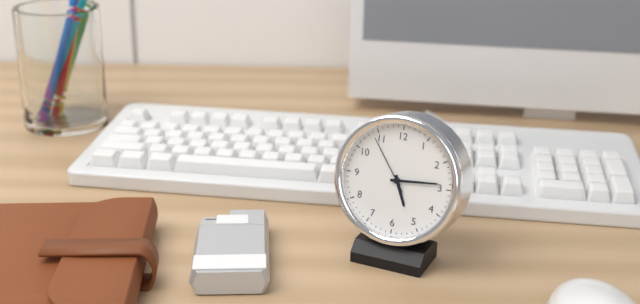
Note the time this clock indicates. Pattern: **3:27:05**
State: **5:14:54**
